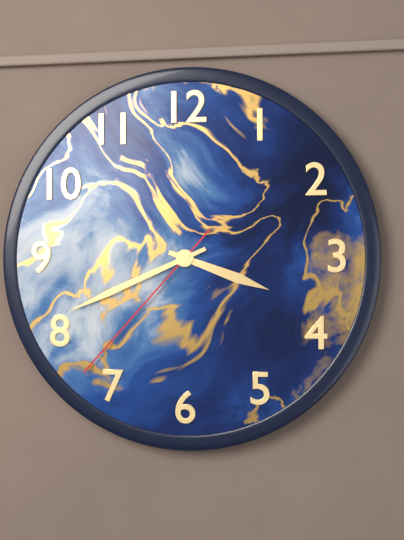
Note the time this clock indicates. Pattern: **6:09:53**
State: **3:41:37**
